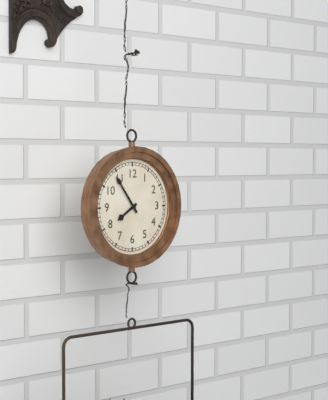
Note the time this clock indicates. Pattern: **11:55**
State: **7:54**
